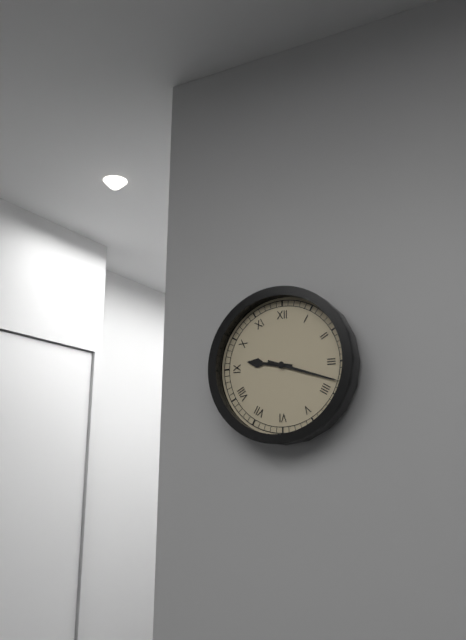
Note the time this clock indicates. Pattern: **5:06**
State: **9:18**
